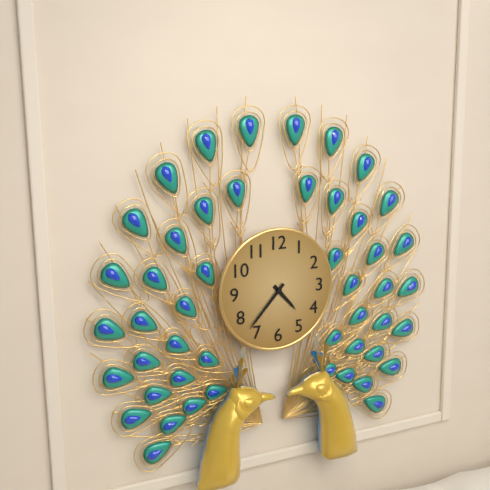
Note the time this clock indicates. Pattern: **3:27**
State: **4:37**
